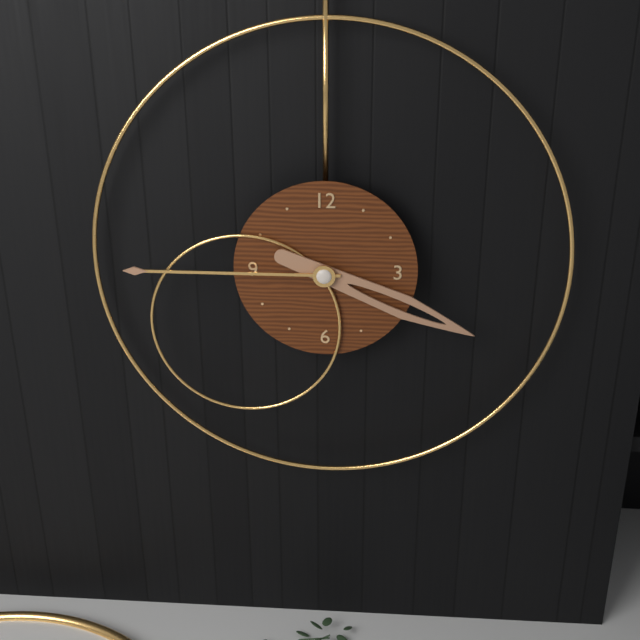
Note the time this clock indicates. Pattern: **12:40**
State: **3:45**
